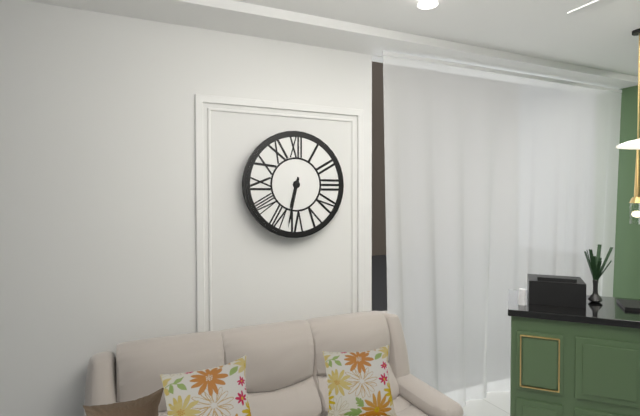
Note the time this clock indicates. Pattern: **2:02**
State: **6:32**
